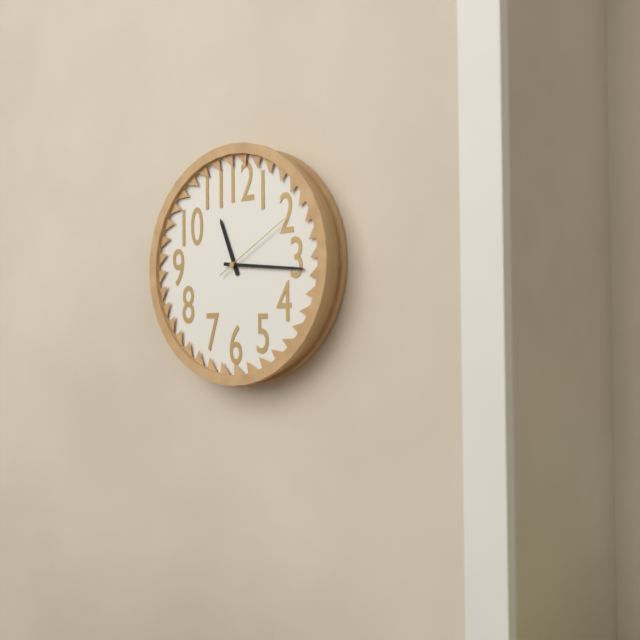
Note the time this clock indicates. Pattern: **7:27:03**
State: **11:16:10**
